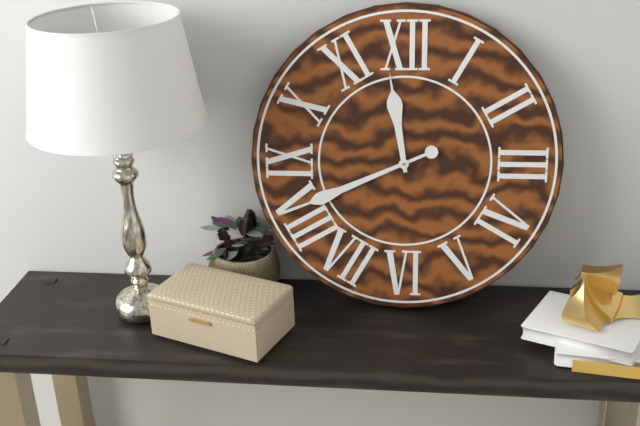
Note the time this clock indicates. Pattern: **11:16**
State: **11:41**
